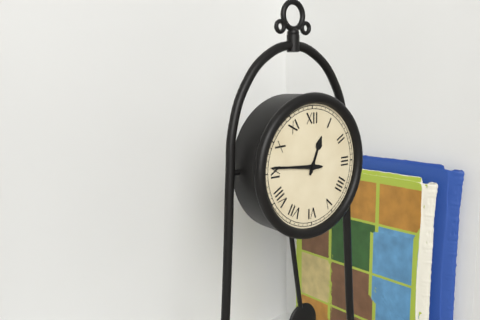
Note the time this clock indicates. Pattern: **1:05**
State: **12:46**
